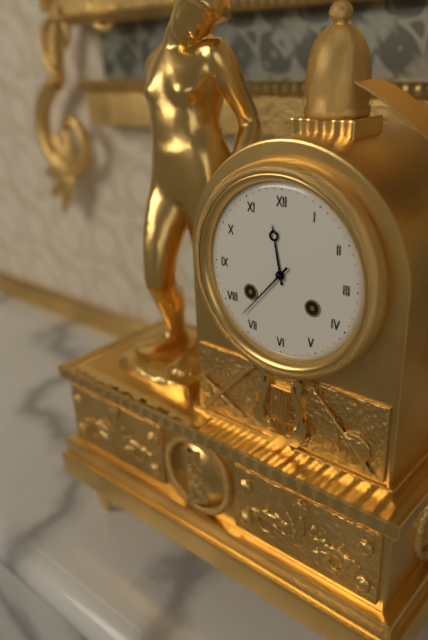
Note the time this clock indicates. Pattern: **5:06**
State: **11:37**
